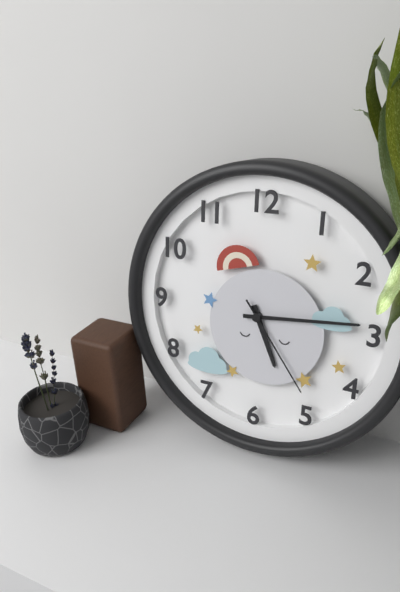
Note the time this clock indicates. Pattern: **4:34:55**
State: **5:14:24**
